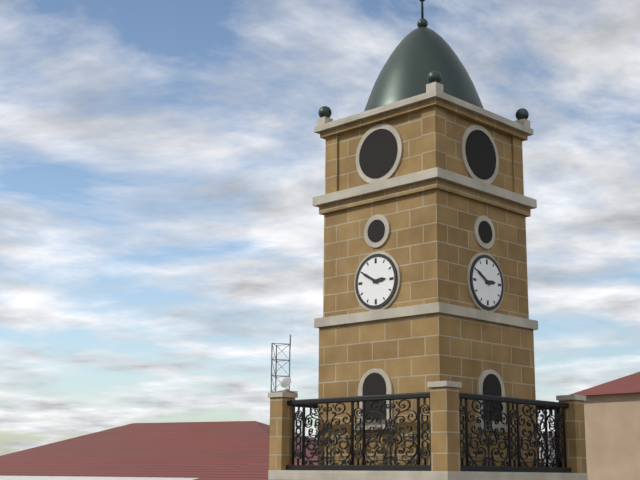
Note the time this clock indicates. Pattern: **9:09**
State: **2:50**
